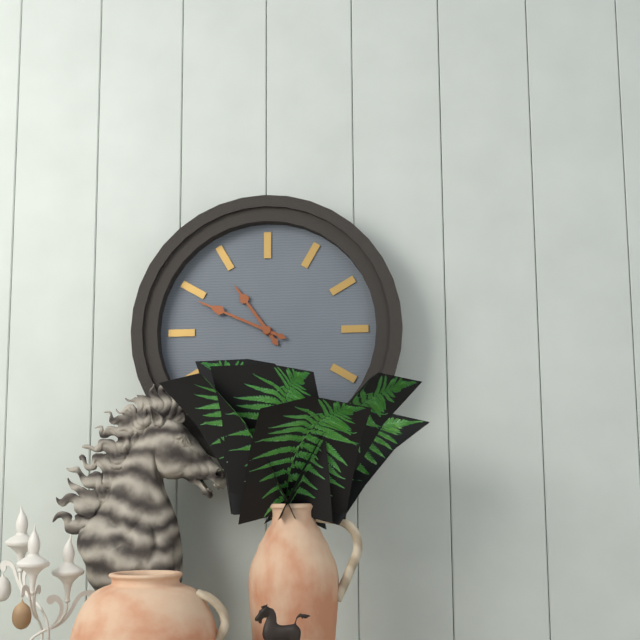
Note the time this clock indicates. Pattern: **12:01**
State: **10:49**
